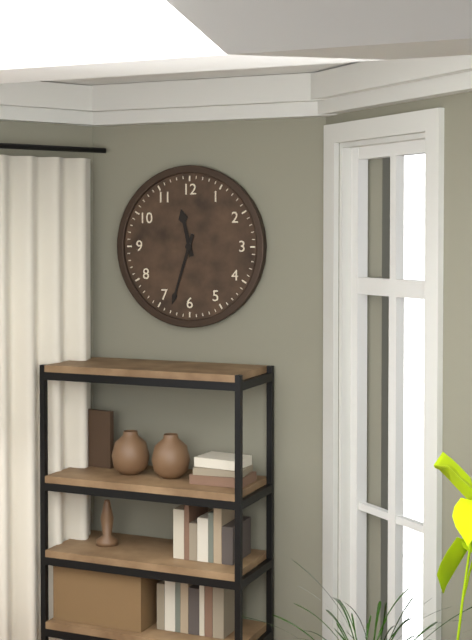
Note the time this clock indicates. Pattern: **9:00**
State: **11:33**
